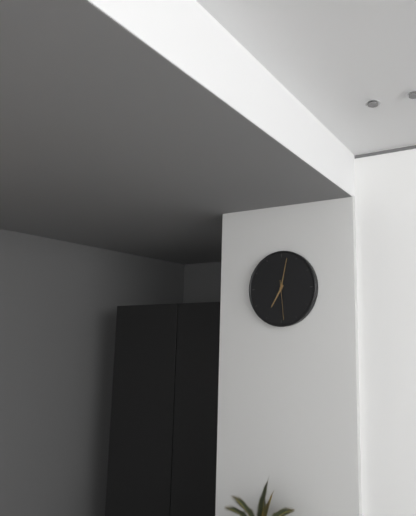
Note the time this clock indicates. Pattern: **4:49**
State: **7:02**
